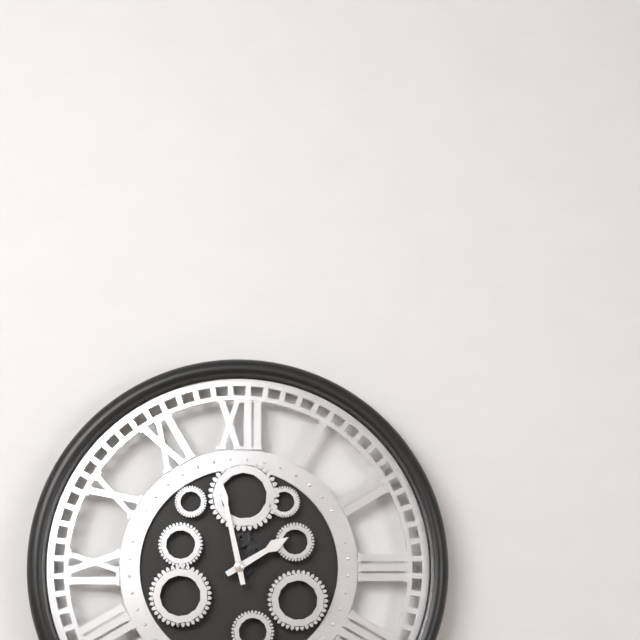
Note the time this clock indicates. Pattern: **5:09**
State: **1:58**
